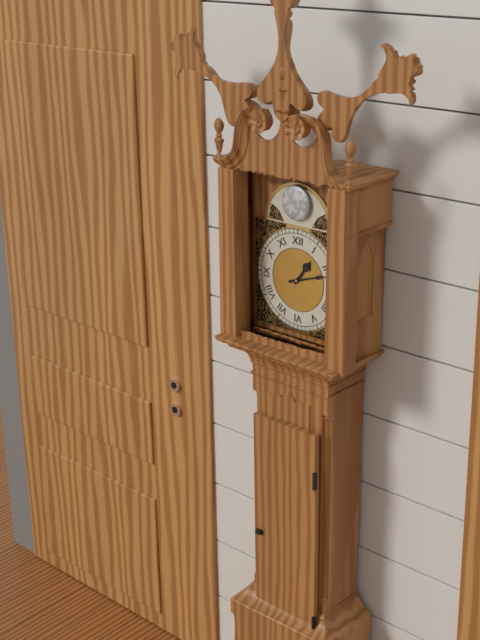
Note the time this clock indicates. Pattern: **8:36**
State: **1:12**
